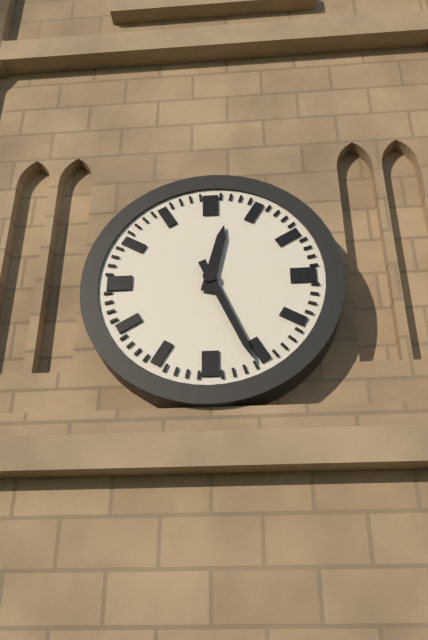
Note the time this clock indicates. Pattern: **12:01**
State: **12:26**
